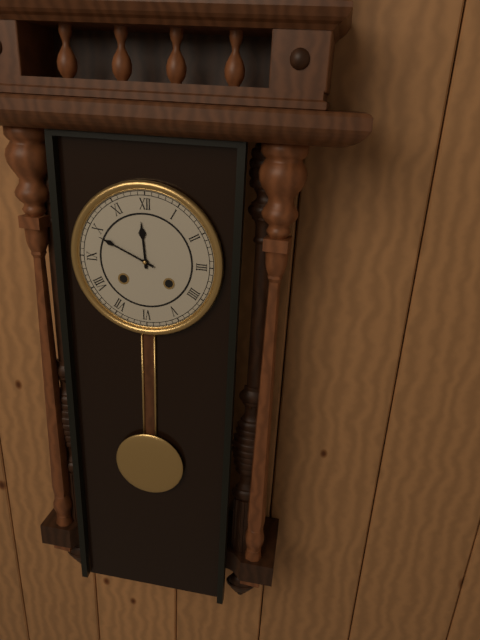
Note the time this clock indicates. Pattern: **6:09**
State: **11:49**
